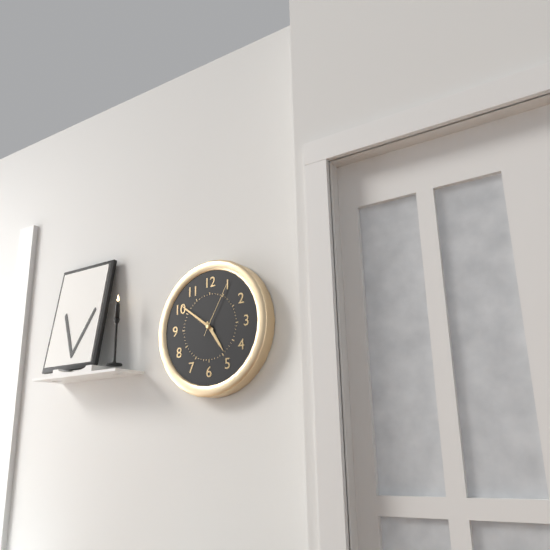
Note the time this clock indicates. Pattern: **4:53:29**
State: **4:51:05**
